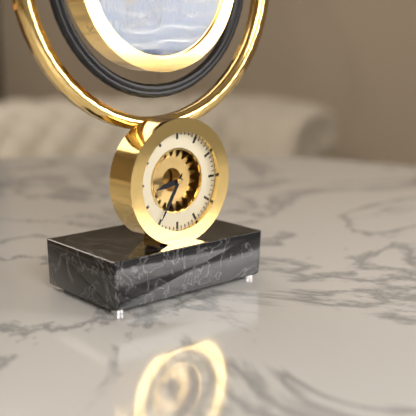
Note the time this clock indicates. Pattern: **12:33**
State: **8:35**
